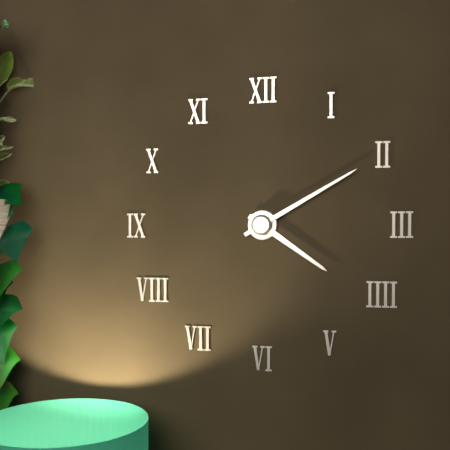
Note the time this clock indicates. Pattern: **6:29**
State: **4:10**
